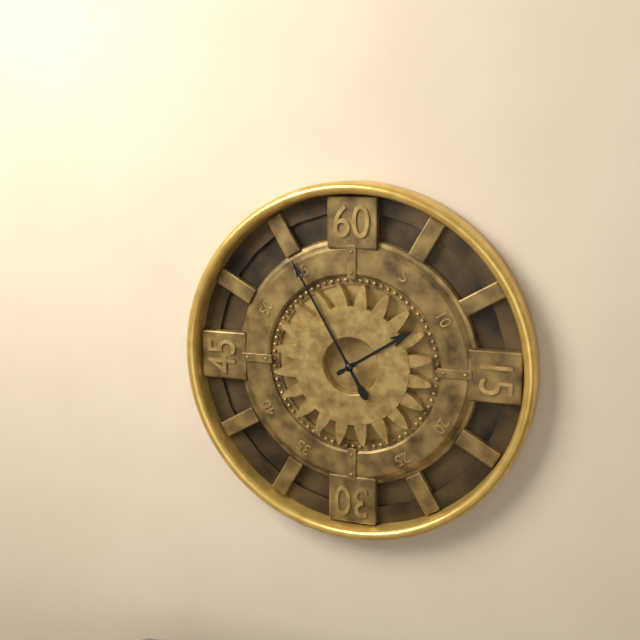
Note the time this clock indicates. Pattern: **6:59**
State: **1:55**
